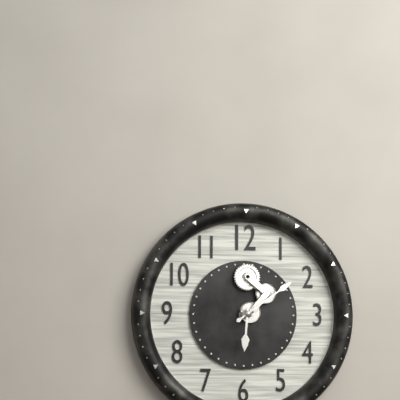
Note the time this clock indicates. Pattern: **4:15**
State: **6:09**
